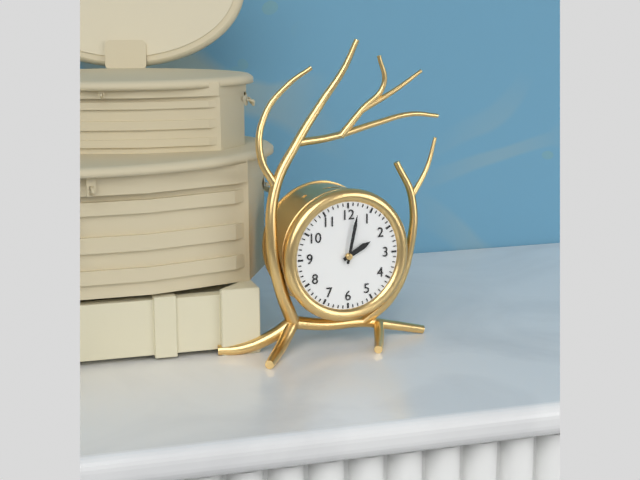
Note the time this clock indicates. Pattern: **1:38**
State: **2:02**
